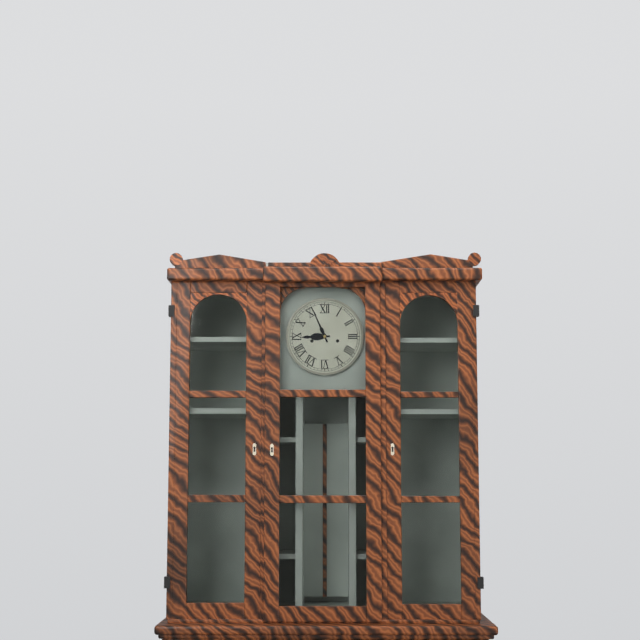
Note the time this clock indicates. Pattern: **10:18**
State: **8:56**
